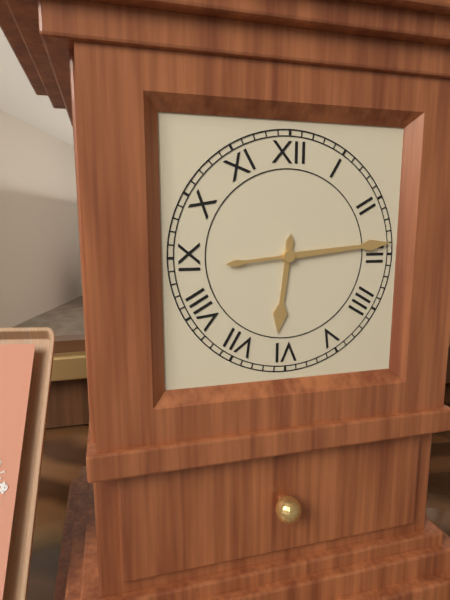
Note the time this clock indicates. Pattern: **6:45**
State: **6:14**
